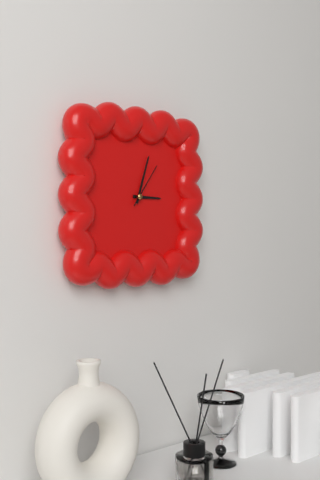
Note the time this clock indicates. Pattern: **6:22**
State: **3:03**
